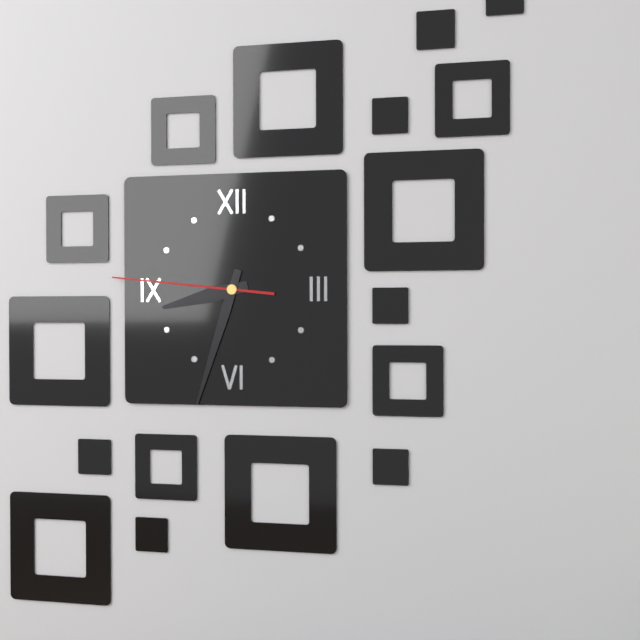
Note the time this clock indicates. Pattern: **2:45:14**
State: **8:33:46**
